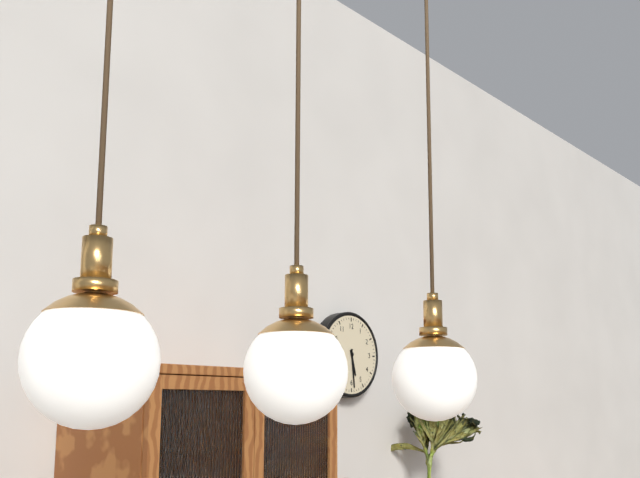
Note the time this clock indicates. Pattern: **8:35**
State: **5:29**
